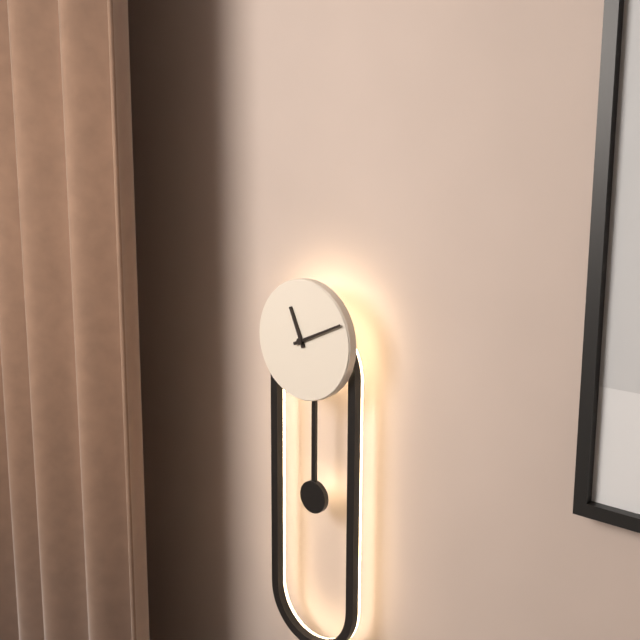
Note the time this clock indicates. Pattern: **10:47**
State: **11:11**
